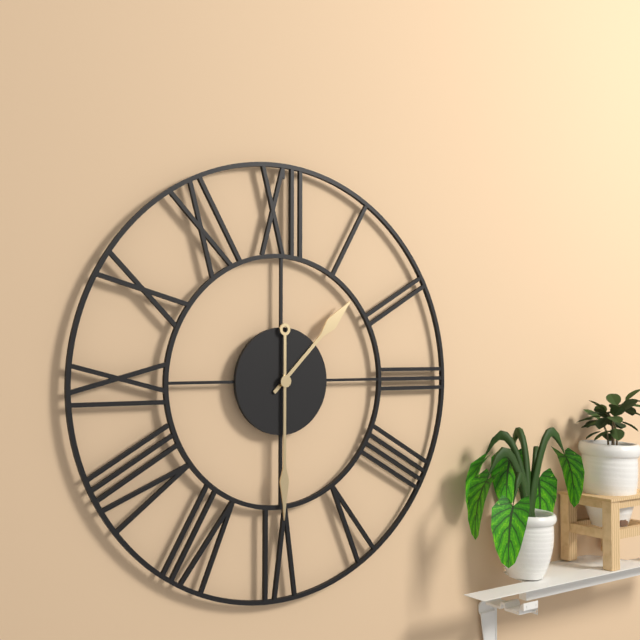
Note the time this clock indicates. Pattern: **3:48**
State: **1:30**
